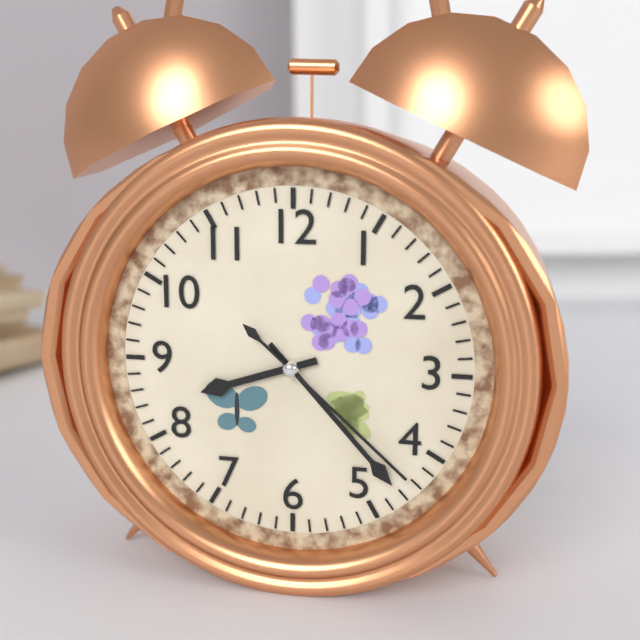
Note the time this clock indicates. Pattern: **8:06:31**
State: **8:23:22**
